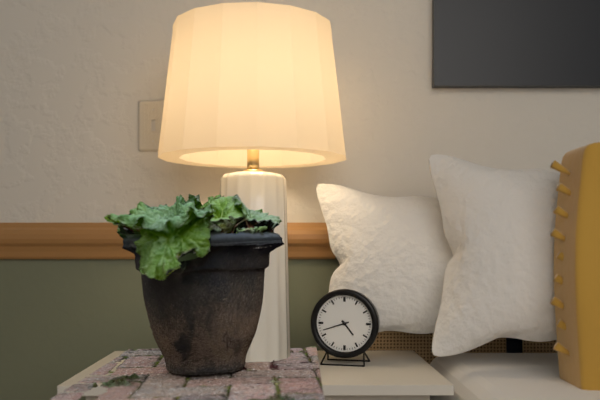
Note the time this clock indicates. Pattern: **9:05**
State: **4:42**
